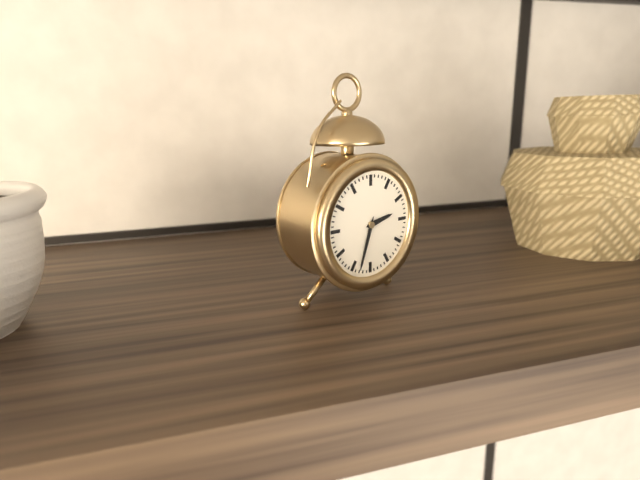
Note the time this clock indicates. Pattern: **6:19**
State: **2:33**
